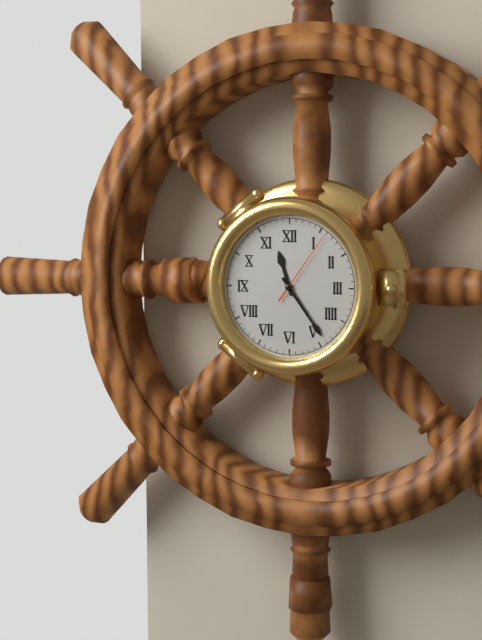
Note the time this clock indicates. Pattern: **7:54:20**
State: **11:24:06**
